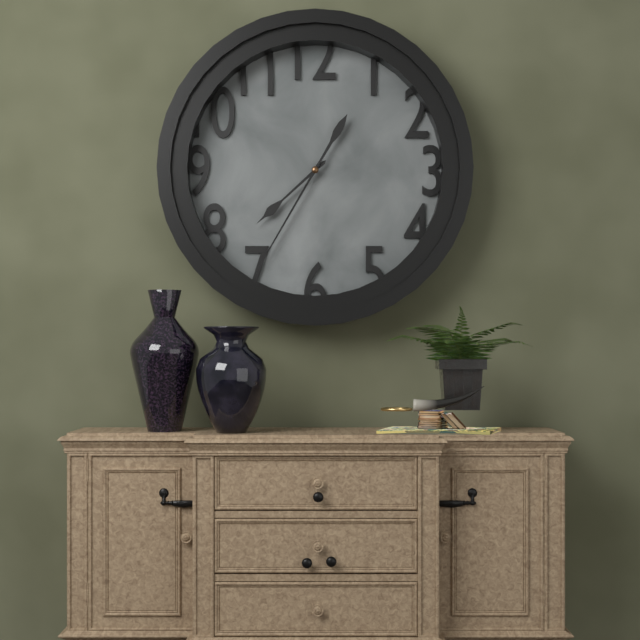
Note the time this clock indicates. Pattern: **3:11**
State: **7:35**
